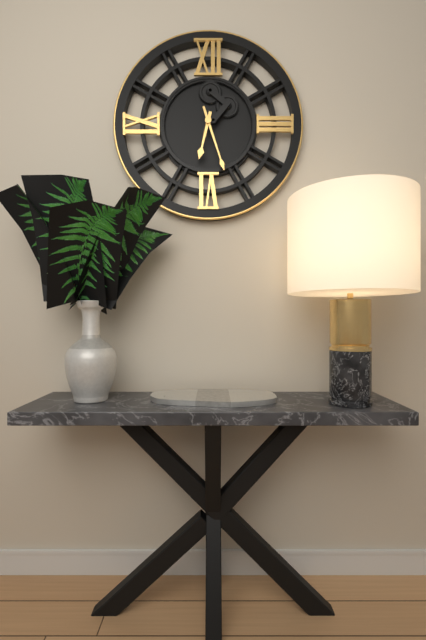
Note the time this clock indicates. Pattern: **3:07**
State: **6:27**
